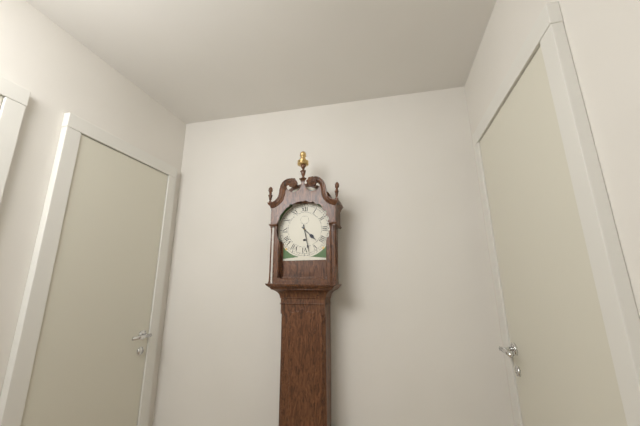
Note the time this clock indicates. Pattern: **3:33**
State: **4:28**
